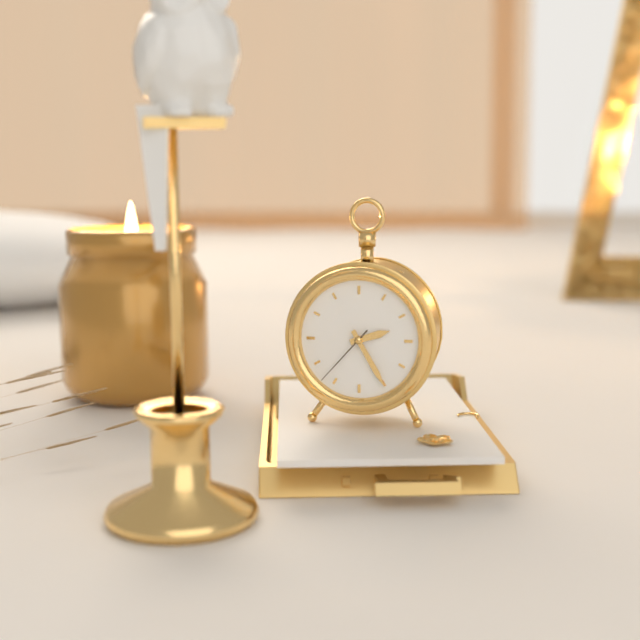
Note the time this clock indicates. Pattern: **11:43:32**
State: **2:25:37**
